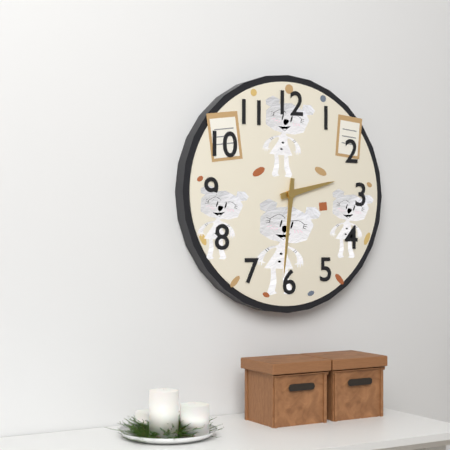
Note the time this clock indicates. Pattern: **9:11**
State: **2:31**
